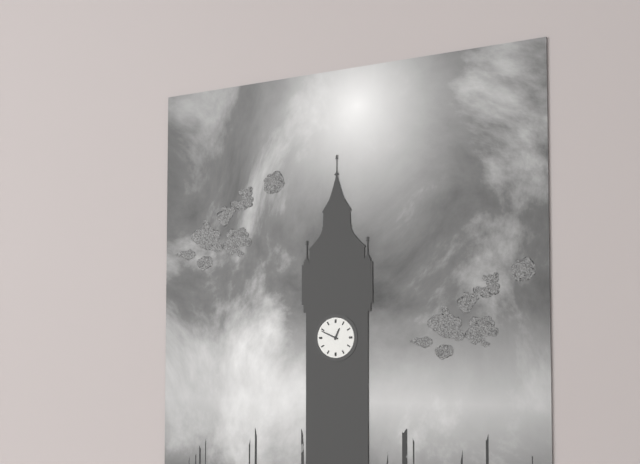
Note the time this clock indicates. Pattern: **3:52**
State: **12:49**
